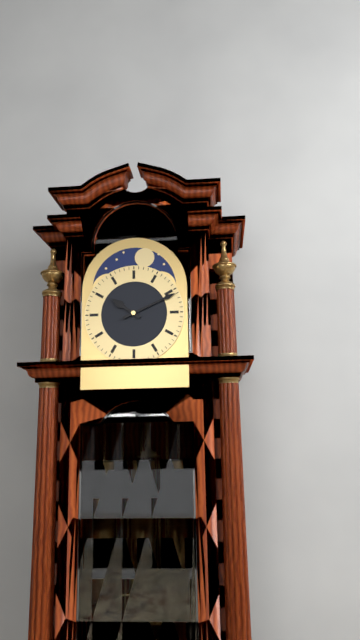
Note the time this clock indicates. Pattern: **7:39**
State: **10:11**
